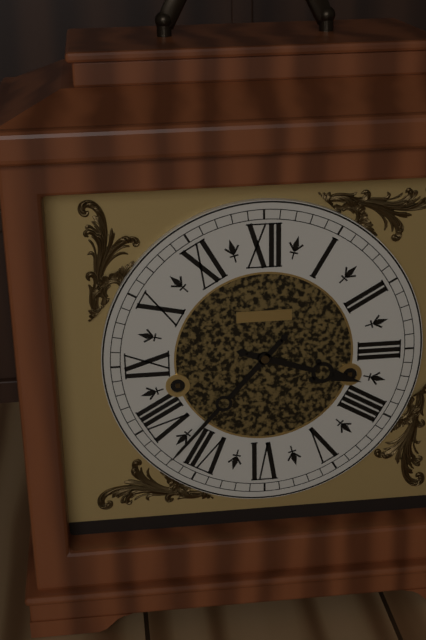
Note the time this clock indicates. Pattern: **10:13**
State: **3:37**
